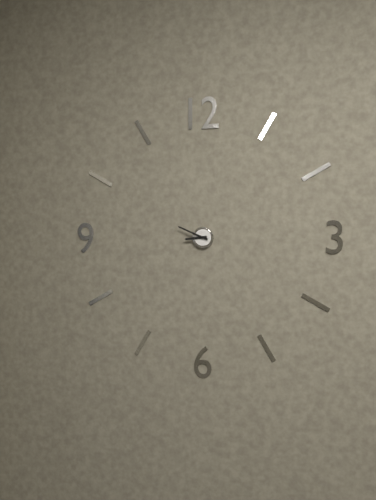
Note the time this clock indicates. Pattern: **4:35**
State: **8:49**
